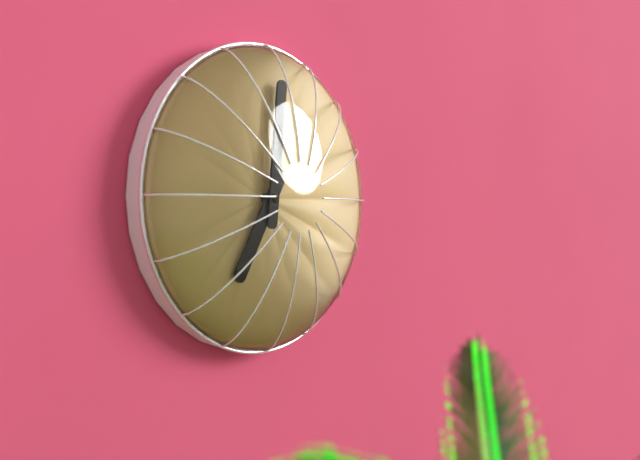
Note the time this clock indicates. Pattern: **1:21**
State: **7:01**
